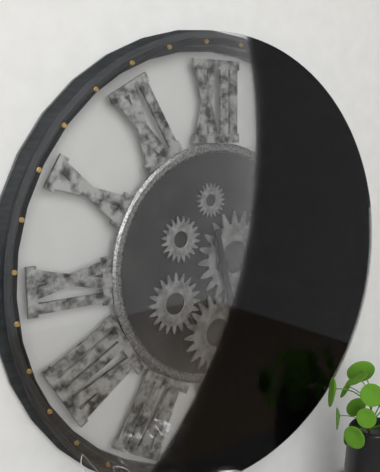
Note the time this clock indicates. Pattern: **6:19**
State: **5:28**
